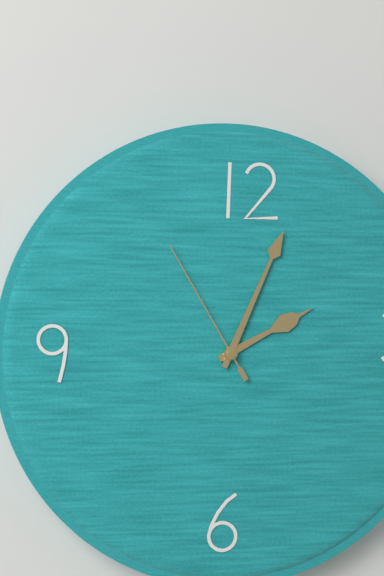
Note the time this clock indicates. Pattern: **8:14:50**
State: **2:04:55**
